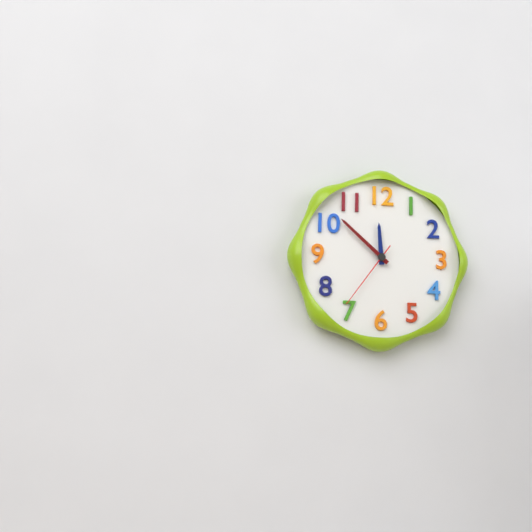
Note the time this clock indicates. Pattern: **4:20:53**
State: **11:52:36**
